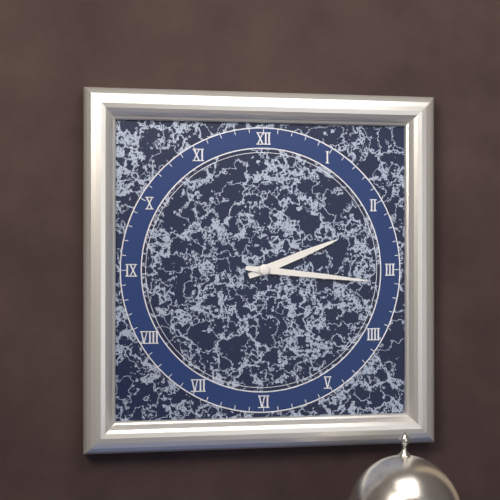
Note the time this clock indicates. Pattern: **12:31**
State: **2:16**
